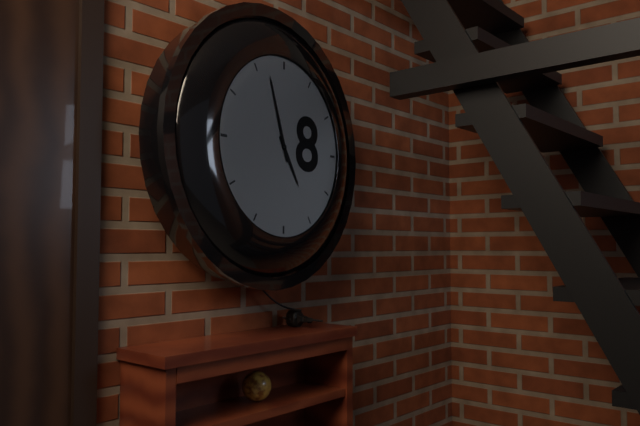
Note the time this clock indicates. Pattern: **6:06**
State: **4:57**
